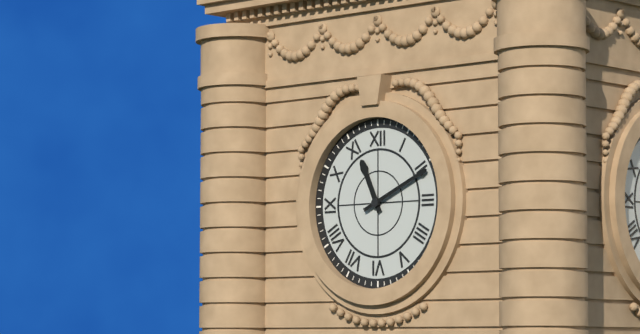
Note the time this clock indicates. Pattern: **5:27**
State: **11:11**
